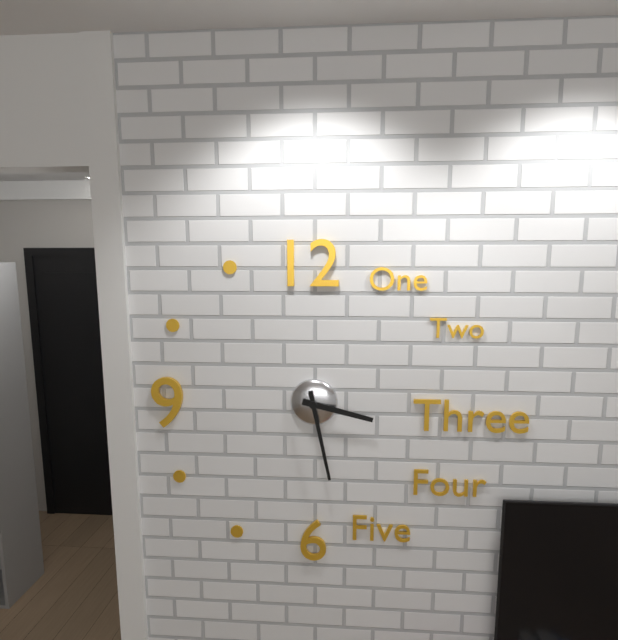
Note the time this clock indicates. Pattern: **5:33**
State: **3:28**
